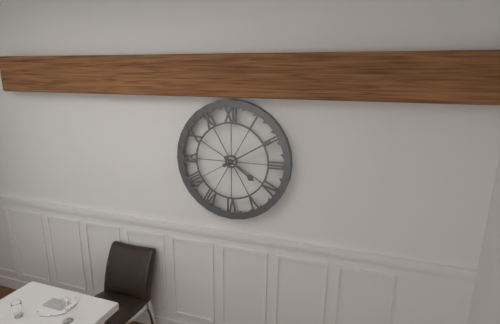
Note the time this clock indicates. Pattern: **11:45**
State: **4:10**
